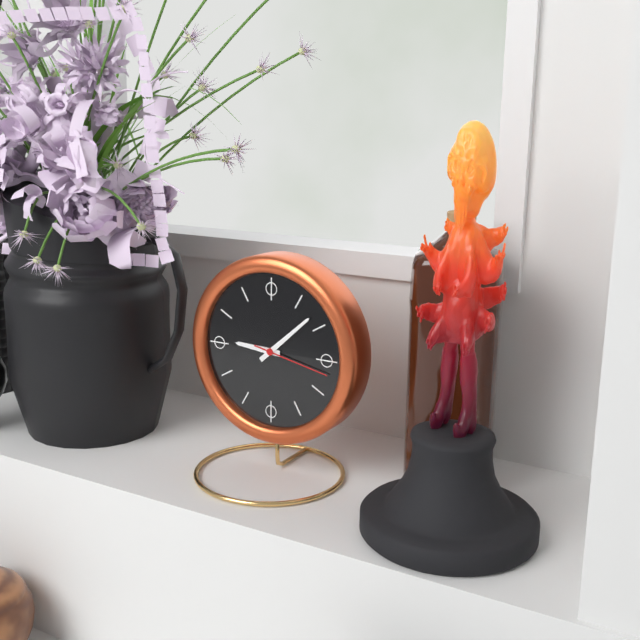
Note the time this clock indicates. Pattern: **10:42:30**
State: **9:08:17**
